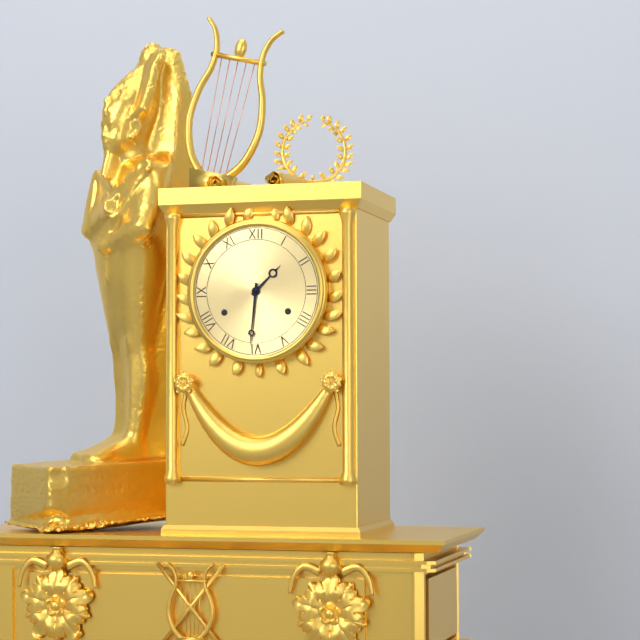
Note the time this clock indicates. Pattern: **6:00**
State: **1:31**
